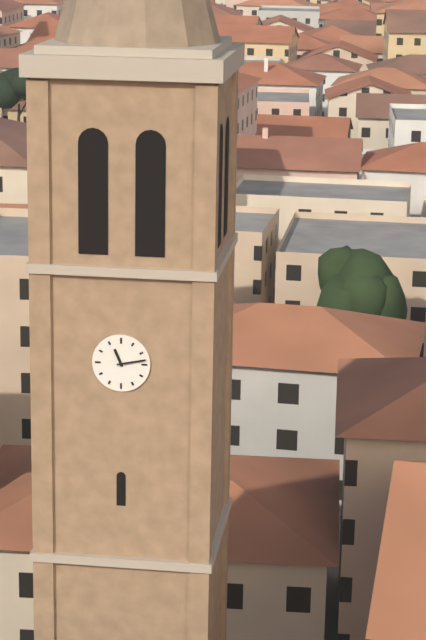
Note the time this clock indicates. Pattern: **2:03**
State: **11:13**
